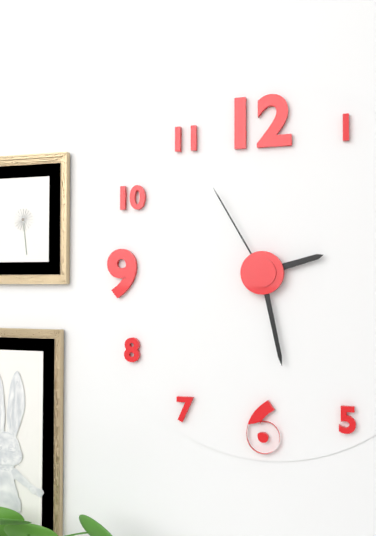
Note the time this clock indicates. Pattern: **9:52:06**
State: **2:28:55**
